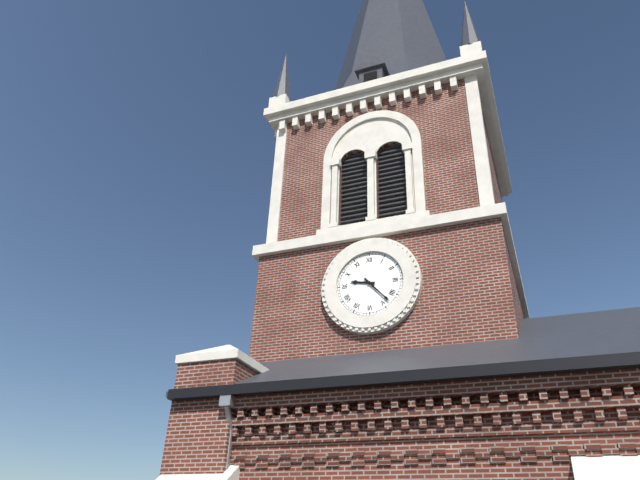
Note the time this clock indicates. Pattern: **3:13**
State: **9:23**
